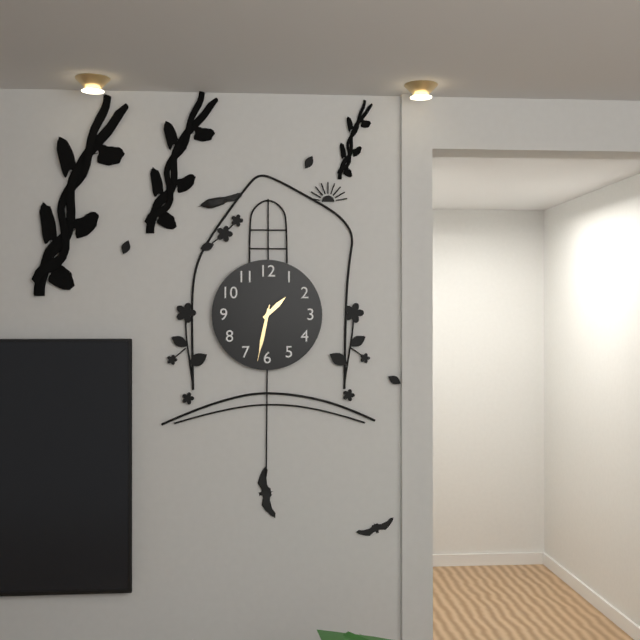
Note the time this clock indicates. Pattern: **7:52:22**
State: **1:32:32**
